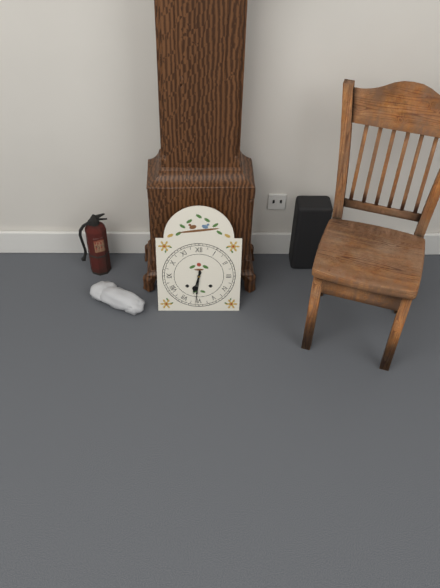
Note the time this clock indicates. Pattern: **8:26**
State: **6:31**
